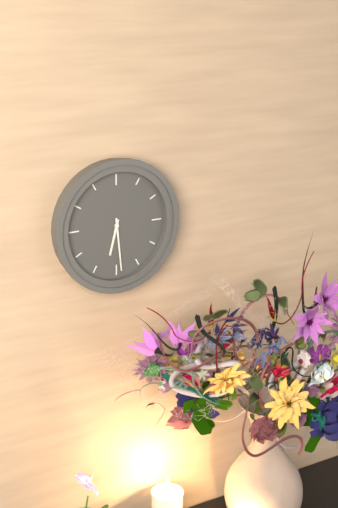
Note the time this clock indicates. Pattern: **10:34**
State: **6:29**
